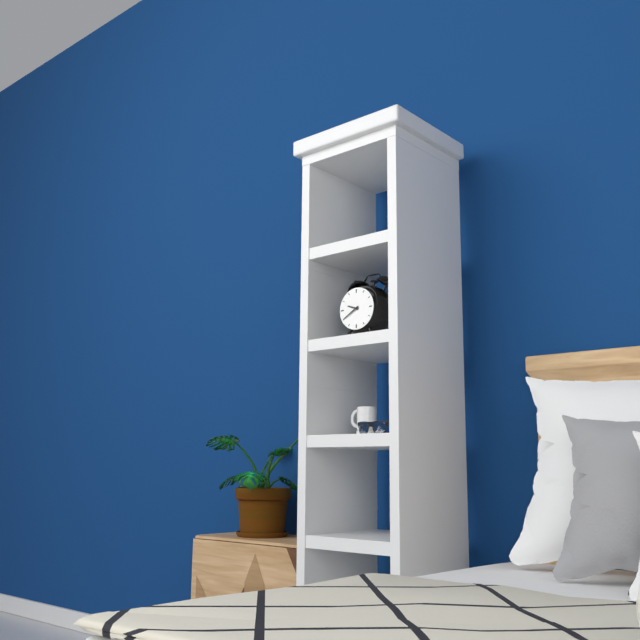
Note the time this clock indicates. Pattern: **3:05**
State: **9:40**
